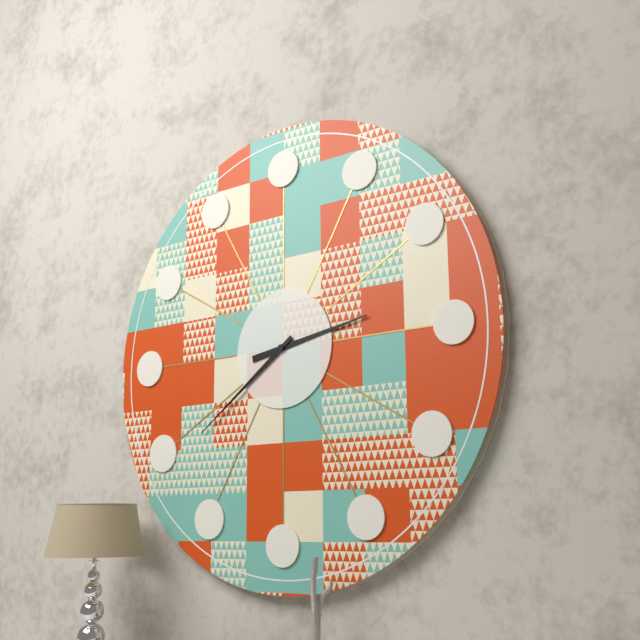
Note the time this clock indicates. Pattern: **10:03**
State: **2:39**
